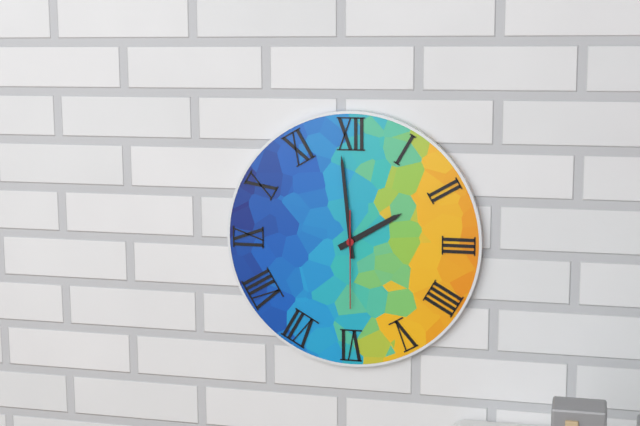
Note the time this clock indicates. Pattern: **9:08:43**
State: **1:59:30**
